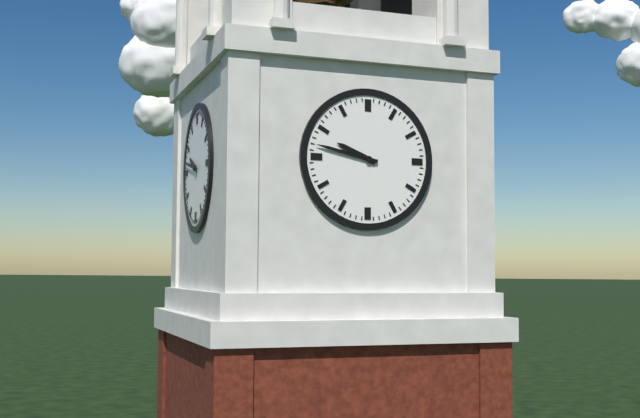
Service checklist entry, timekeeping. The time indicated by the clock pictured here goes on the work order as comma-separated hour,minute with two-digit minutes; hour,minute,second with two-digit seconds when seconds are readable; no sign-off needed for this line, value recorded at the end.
9,47
